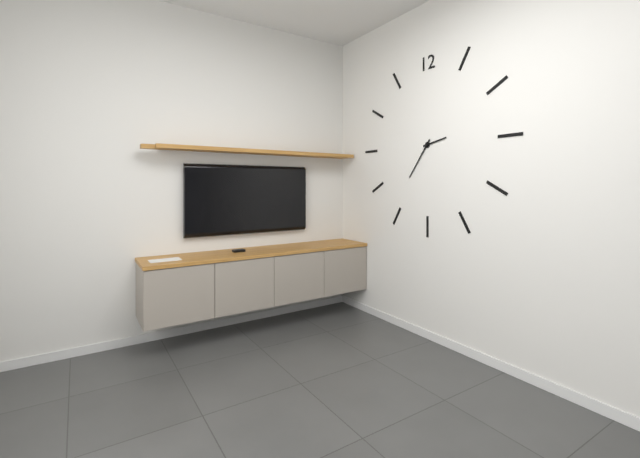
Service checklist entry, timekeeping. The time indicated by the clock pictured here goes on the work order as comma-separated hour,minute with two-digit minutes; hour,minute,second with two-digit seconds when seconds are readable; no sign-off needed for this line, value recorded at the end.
2,36
